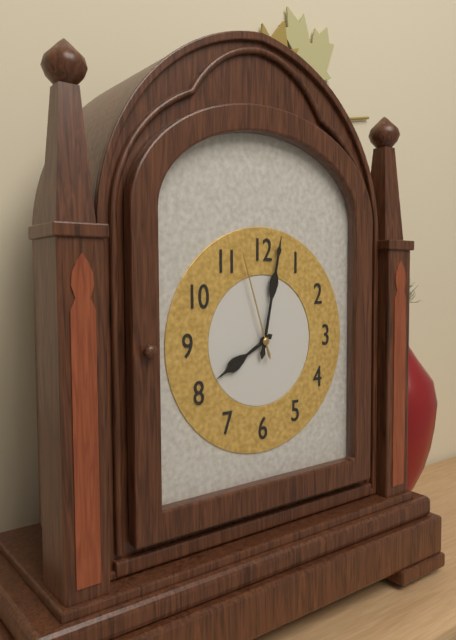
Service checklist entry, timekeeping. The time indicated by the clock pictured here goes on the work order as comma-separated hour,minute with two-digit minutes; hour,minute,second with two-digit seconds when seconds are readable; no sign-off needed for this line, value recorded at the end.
8,02,57
